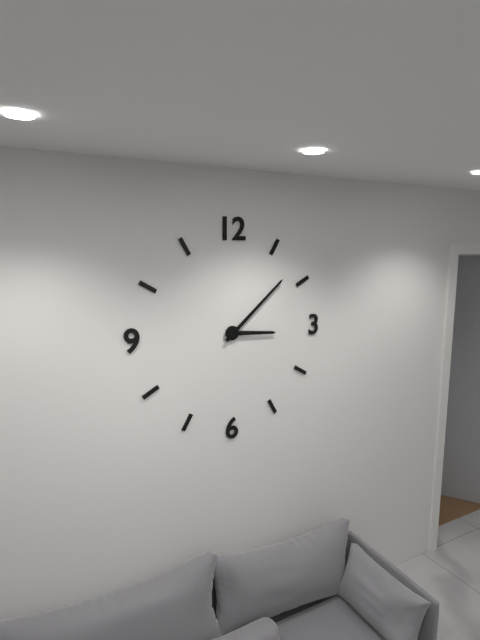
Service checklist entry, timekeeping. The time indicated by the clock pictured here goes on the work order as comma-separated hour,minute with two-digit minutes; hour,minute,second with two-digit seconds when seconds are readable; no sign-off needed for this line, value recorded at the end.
3,08
